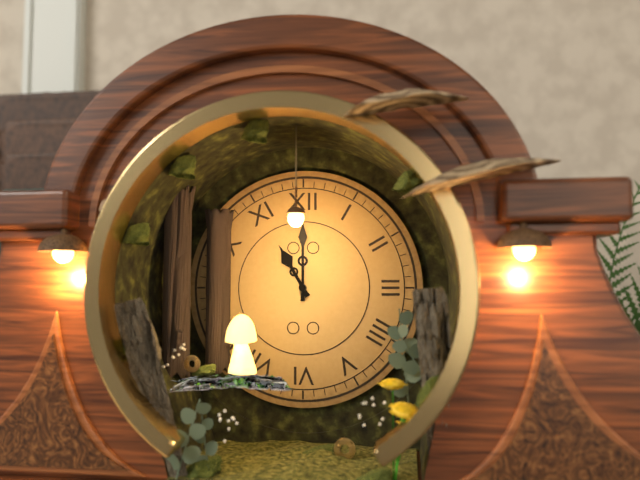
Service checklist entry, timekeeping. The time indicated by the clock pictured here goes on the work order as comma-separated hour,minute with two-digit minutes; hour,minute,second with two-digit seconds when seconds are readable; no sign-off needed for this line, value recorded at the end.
11,00
